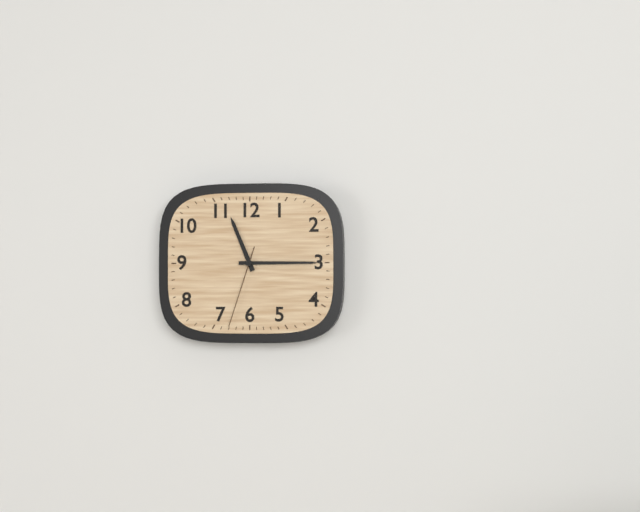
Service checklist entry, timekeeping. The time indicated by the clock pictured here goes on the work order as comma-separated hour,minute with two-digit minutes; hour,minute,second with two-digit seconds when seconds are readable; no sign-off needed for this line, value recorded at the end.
11,15,33
